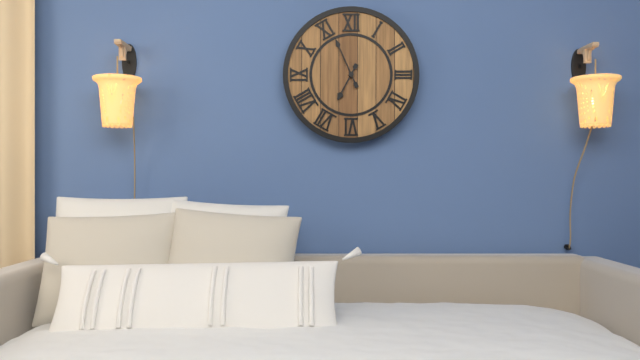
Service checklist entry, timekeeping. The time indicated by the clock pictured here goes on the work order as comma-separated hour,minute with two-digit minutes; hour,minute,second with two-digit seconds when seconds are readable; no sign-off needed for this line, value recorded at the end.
6,56
